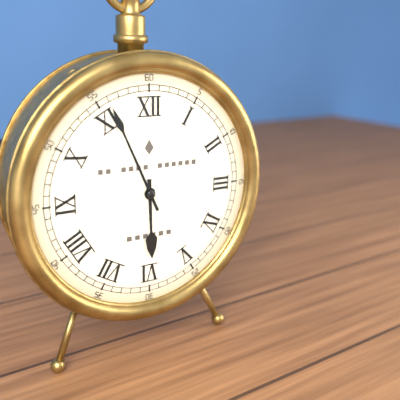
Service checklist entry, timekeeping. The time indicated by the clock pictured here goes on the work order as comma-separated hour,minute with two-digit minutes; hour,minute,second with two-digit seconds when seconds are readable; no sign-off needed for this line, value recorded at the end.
5,56
